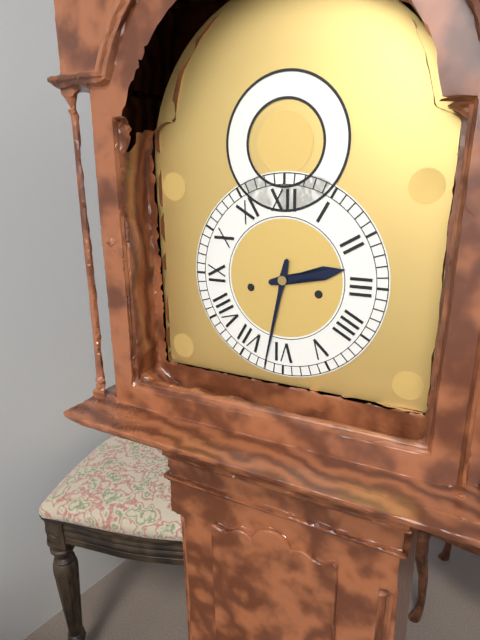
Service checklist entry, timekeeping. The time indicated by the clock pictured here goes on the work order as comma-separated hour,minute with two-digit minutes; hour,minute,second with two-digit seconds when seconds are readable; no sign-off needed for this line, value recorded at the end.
2,32
